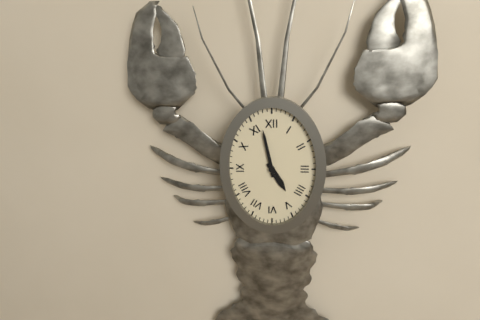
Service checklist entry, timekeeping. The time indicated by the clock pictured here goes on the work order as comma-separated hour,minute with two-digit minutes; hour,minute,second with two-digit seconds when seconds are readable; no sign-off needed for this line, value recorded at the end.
4,58
